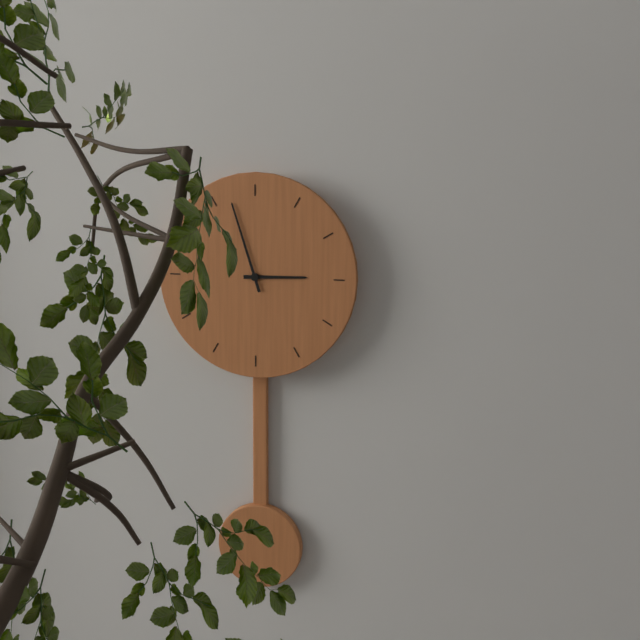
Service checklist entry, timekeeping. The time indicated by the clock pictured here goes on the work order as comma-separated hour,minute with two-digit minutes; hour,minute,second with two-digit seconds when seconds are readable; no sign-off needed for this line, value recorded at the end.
2,57
